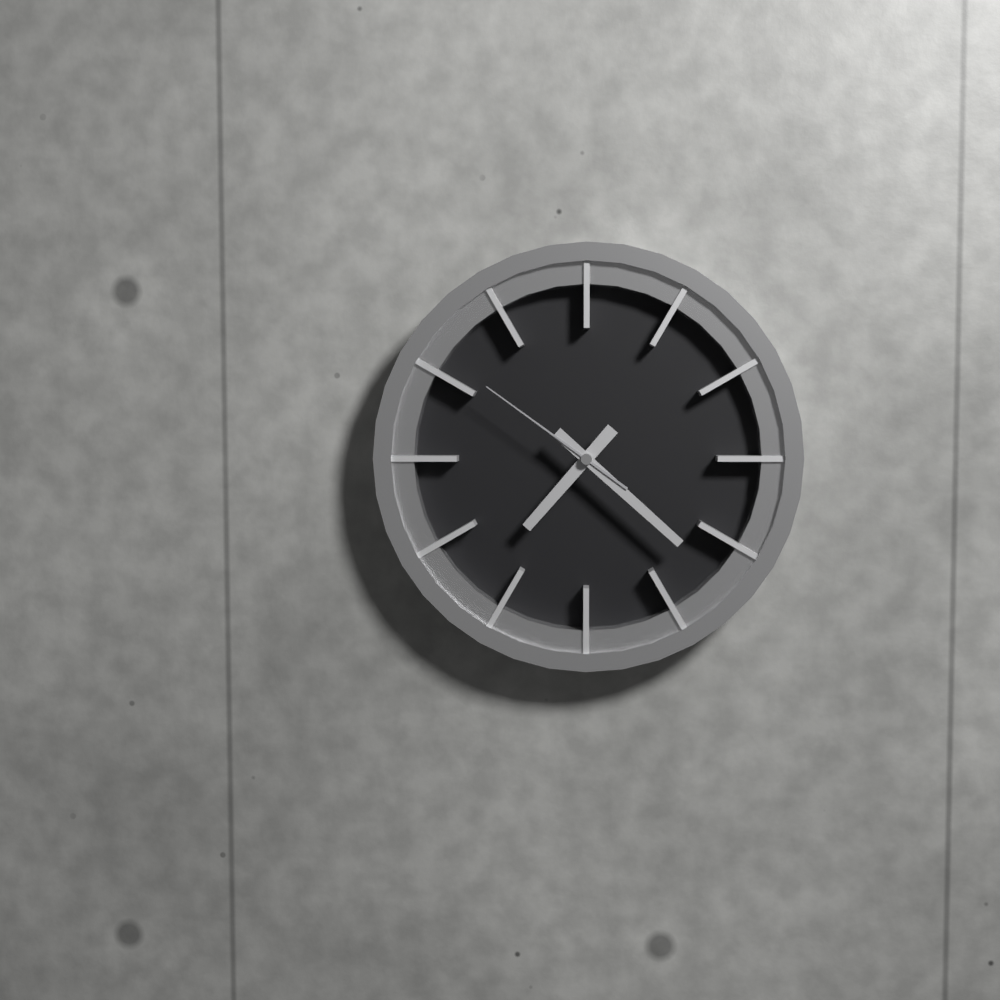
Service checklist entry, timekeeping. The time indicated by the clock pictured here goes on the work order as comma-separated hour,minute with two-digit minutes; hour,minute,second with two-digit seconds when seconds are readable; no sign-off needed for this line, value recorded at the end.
7,22,51
